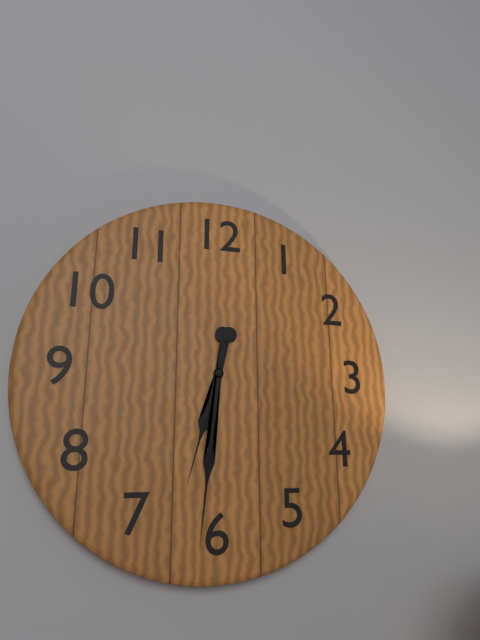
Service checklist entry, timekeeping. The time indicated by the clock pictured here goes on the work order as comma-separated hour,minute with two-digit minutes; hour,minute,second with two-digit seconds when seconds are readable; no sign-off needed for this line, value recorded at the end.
6,31
